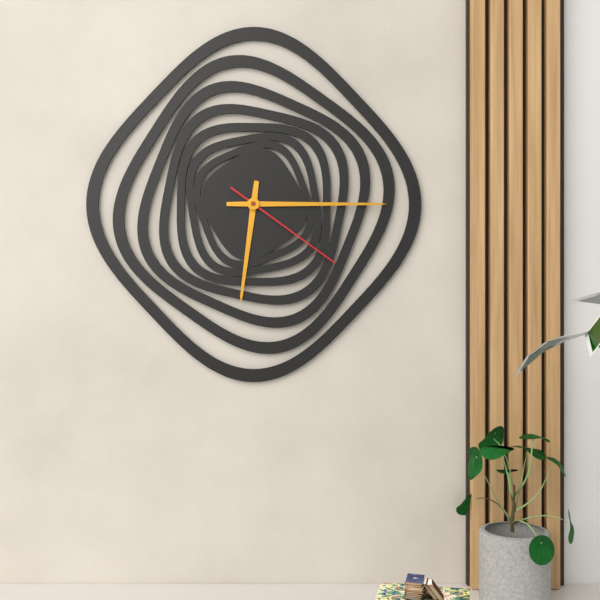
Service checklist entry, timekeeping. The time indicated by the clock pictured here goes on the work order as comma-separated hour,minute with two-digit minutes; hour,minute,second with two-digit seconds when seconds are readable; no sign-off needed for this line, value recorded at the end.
6,15,21
